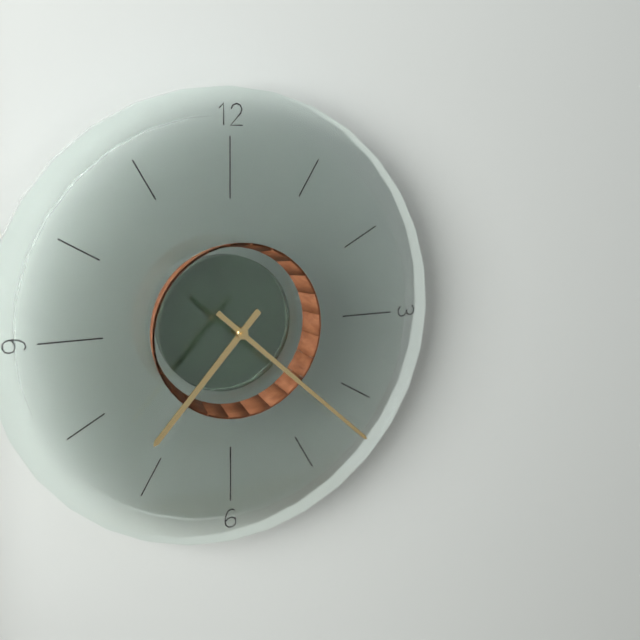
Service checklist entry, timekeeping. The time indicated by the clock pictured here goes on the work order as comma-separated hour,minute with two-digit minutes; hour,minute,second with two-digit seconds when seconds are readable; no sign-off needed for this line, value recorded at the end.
7,22
